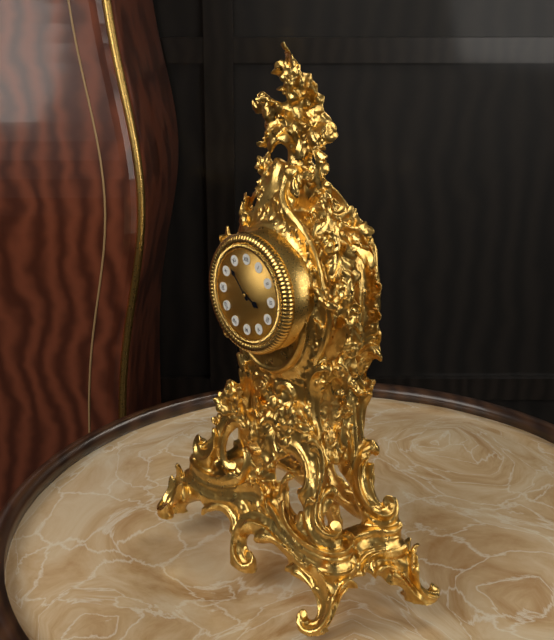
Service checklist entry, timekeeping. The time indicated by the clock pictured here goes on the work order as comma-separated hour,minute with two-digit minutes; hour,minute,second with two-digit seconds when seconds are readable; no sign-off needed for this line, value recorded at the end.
3,53
